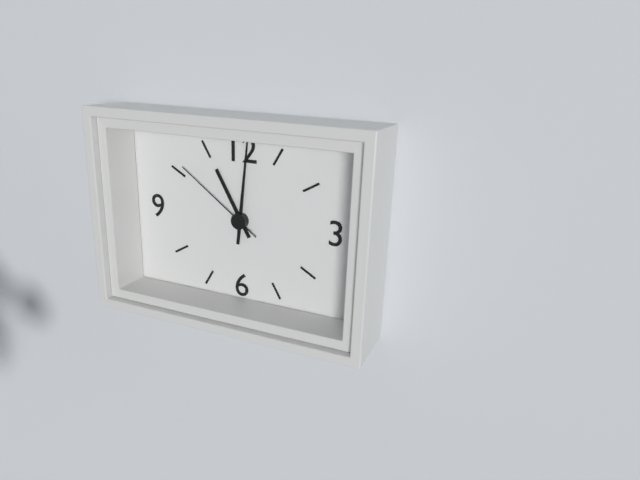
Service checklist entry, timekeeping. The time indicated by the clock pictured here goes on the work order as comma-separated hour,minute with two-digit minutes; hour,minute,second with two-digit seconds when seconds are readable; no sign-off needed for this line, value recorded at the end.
11,01,51
